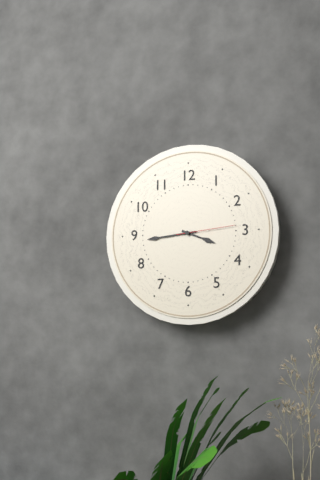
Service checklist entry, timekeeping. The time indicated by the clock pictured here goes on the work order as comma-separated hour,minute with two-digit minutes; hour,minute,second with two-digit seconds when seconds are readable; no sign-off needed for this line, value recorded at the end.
3,44,14
